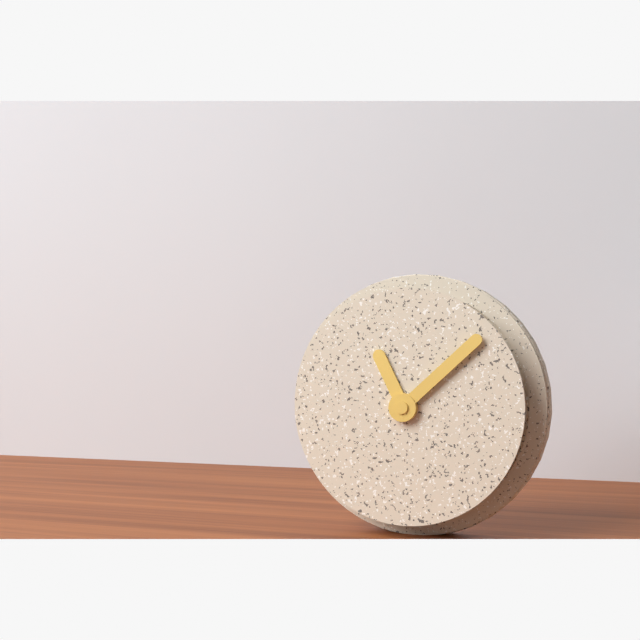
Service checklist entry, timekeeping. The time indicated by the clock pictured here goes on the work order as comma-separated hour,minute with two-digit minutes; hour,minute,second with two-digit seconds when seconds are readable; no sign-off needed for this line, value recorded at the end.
11,08
